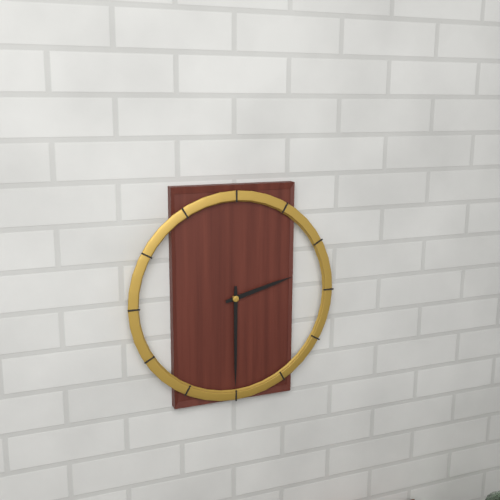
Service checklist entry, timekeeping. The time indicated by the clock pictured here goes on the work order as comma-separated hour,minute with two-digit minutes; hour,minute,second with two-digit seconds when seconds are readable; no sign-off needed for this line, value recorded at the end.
2,30
